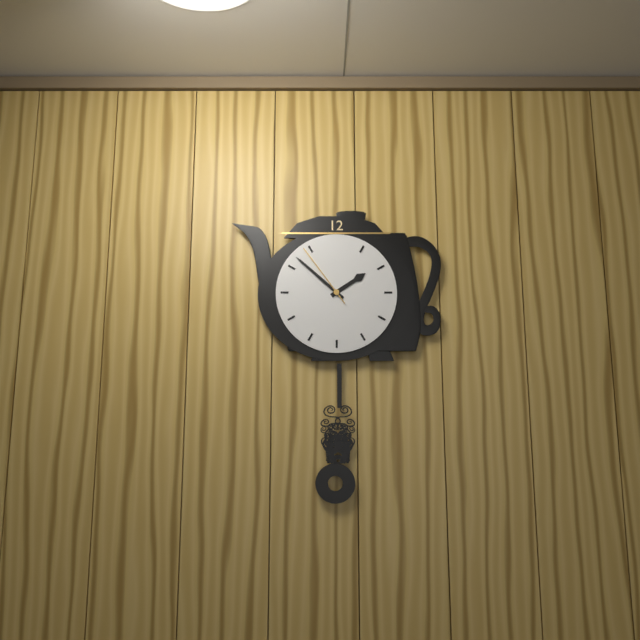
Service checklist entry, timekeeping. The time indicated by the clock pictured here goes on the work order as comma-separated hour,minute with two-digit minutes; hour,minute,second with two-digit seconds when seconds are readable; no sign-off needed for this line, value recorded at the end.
1,52,54
